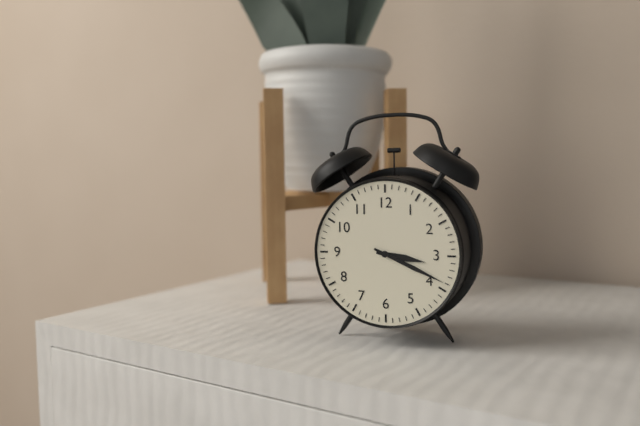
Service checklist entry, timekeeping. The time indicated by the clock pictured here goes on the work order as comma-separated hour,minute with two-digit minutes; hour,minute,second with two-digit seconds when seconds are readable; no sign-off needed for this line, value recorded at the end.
3,19
